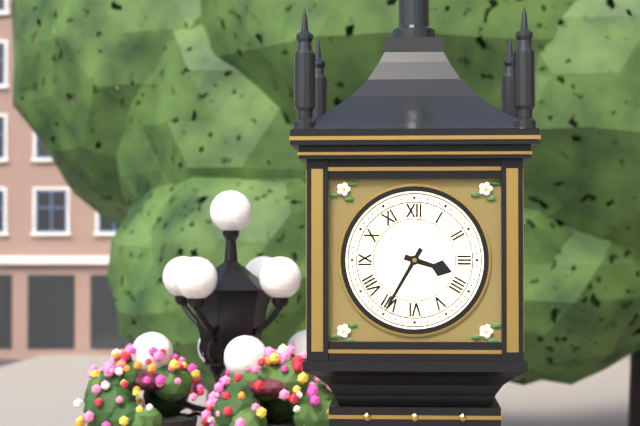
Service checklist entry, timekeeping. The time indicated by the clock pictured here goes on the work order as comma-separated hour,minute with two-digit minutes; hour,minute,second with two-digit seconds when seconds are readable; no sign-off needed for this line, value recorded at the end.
3,35
